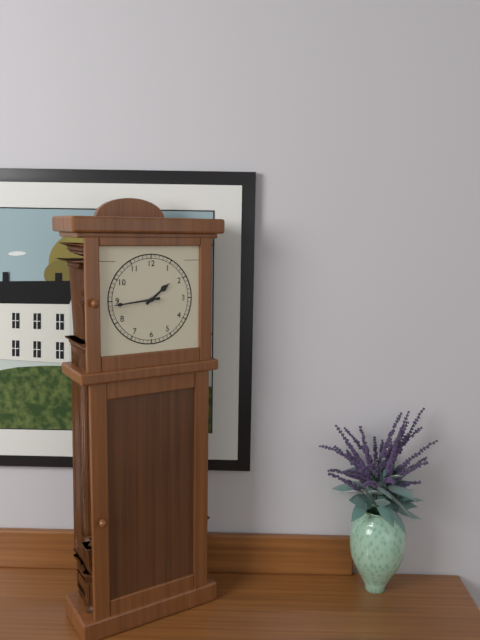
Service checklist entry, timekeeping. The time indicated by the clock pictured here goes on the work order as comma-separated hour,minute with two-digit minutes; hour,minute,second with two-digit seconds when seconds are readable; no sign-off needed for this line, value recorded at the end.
1,44
